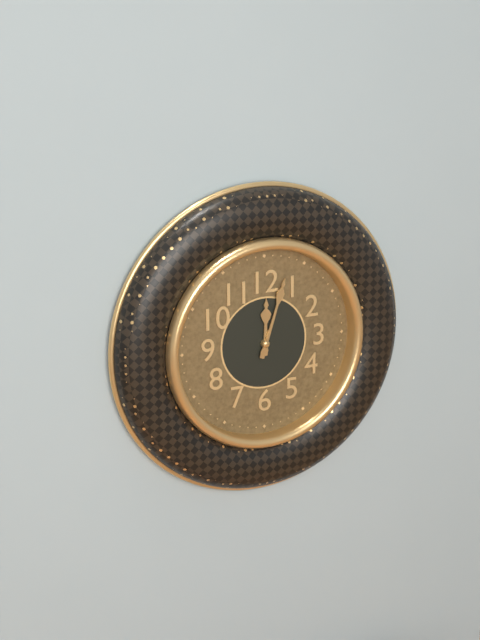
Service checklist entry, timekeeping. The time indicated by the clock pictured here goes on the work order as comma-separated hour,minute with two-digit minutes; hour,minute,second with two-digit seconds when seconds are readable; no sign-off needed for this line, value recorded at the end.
12,03
